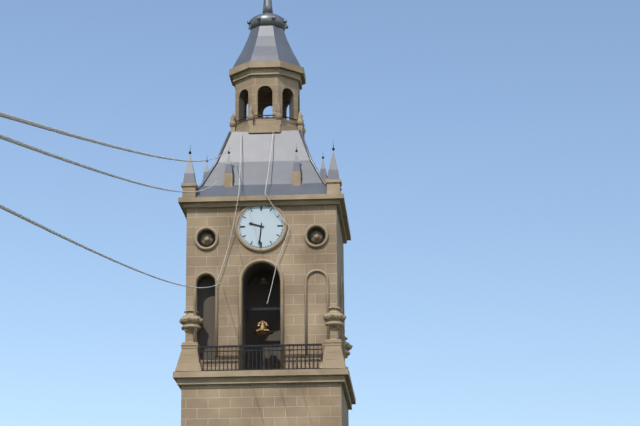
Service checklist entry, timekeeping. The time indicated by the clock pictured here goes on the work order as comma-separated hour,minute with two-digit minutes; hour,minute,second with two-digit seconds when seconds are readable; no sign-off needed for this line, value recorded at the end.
9,31
